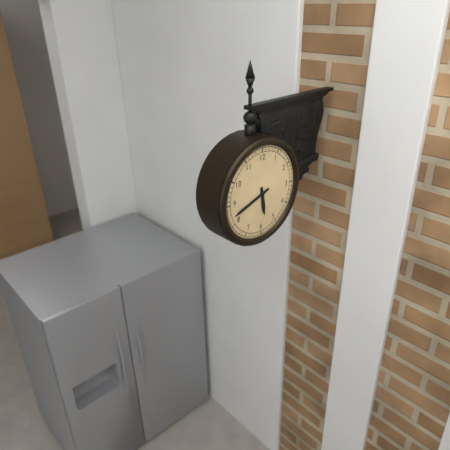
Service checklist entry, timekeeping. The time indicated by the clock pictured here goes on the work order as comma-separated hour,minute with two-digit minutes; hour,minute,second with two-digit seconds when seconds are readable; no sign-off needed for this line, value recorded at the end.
5,42
